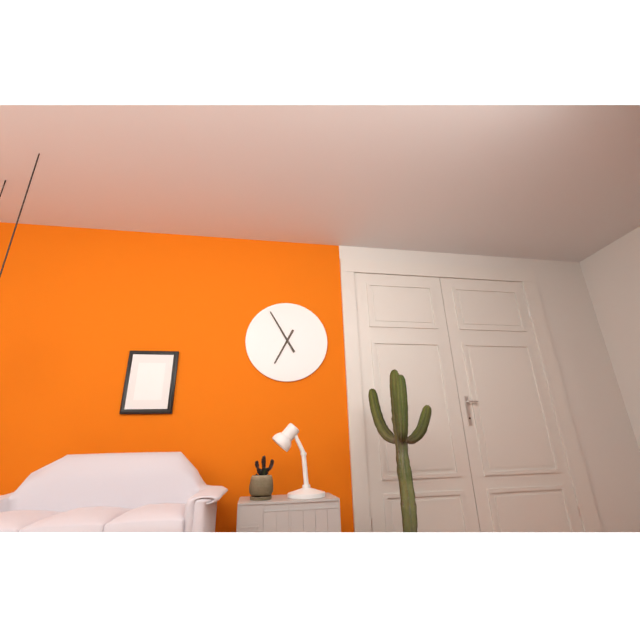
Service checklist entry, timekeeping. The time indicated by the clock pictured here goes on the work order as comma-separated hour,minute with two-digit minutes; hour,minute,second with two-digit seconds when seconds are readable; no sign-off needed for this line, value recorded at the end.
6,55
